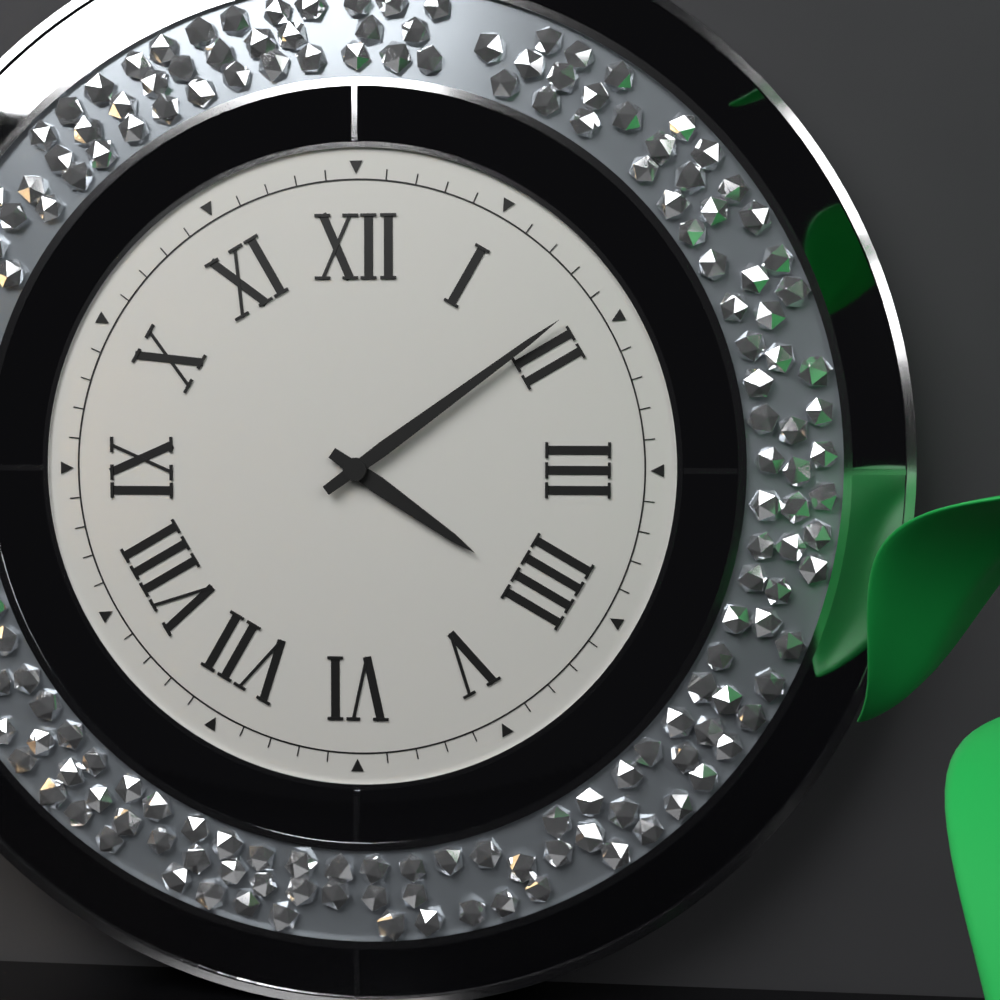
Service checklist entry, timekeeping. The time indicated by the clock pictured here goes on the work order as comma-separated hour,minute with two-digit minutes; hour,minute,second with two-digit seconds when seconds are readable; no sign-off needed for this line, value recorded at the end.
4,09
